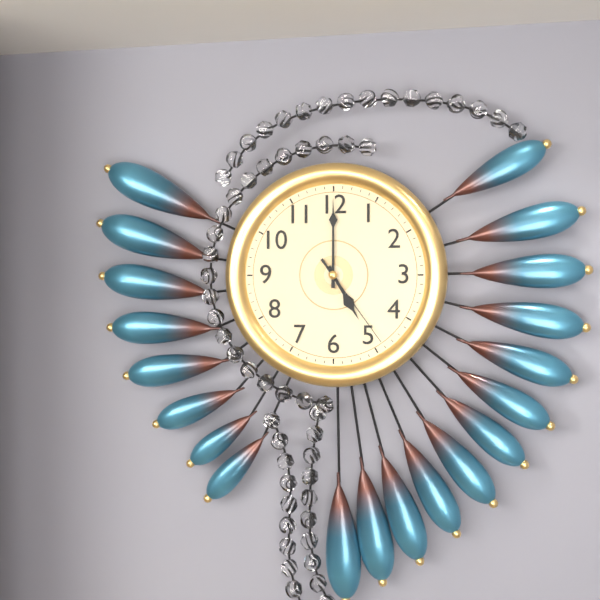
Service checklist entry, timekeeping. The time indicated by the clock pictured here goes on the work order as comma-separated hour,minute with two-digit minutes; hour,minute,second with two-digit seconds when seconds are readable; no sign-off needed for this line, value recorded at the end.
5,00,24
